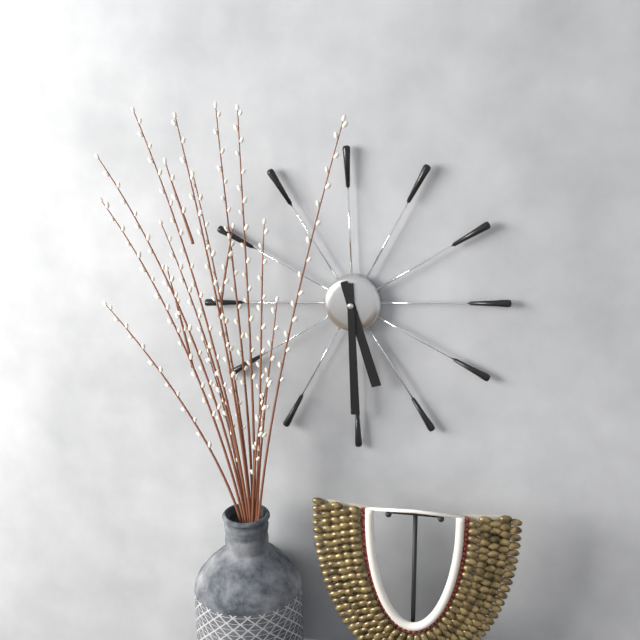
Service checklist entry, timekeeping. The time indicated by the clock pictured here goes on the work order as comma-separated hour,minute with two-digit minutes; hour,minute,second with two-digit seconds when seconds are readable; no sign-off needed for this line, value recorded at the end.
5,30
